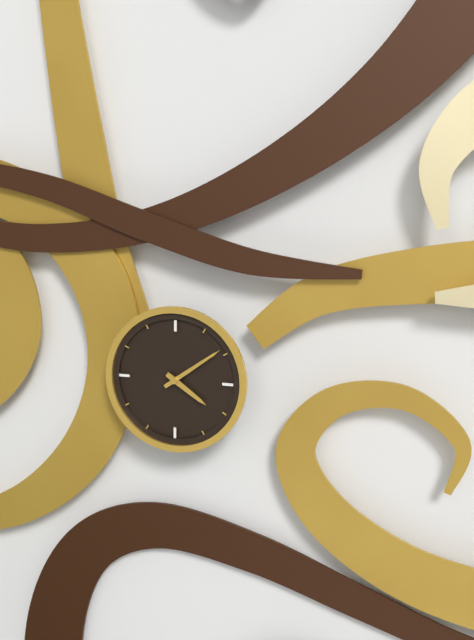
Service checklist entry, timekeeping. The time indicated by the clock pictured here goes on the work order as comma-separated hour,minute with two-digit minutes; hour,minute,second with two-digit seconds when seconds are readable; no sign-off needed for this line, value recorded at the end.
4,09
